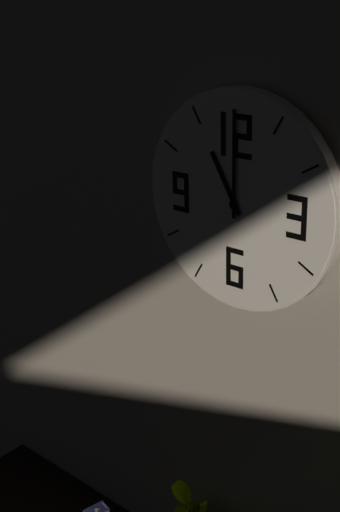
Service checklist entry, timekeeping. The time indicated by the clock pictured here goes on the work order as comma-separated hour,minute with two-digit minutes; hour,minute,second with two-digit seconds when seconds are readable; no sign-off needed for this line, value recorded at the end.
11,00
